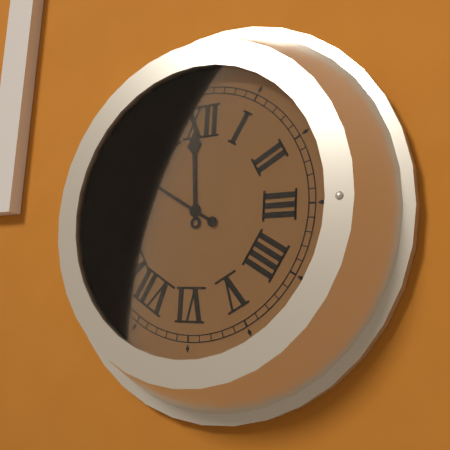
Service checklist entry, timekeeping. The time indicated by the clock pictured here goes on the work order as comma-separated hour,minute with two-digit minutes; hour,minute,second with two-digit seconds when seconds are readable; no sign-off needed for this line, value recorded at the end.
11,50
